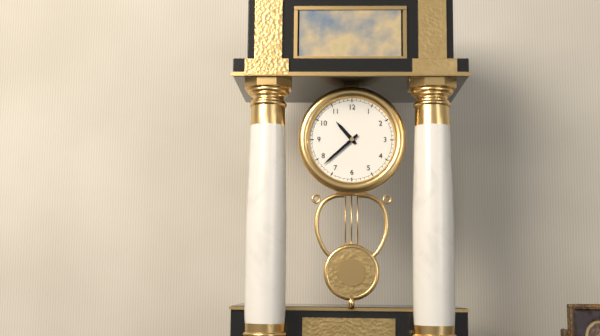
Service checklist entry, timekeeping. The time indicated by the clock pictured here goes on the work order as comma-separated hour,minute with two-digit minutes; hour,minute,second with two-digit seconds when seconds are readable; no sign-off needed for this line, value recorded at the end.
10,38
